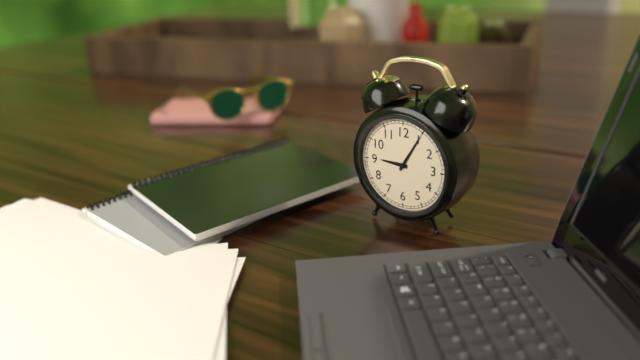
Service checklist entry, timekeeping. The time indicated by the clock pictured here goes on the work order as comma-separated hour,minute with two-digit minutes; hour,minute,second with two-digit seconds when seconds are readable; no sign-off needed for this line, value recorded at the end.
9,05
